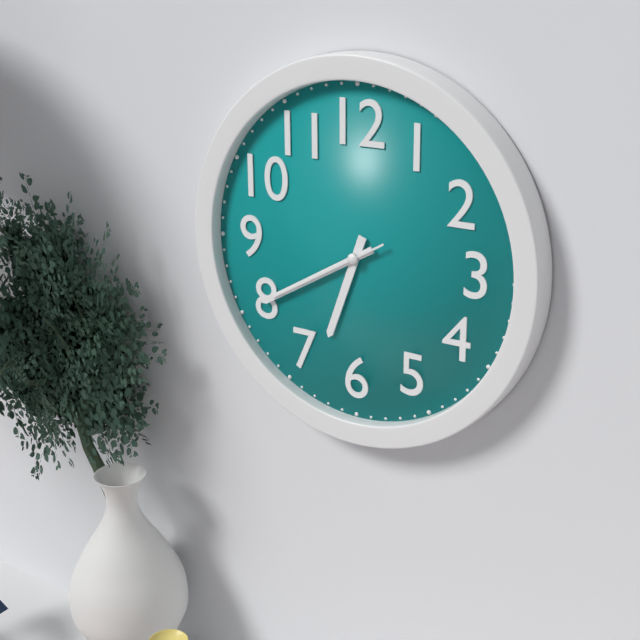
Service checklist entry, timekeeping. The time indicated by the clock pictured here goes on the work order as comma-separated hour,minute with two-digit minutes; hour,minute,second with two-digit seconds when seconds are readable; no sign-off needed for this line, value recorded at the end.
6,40,40
